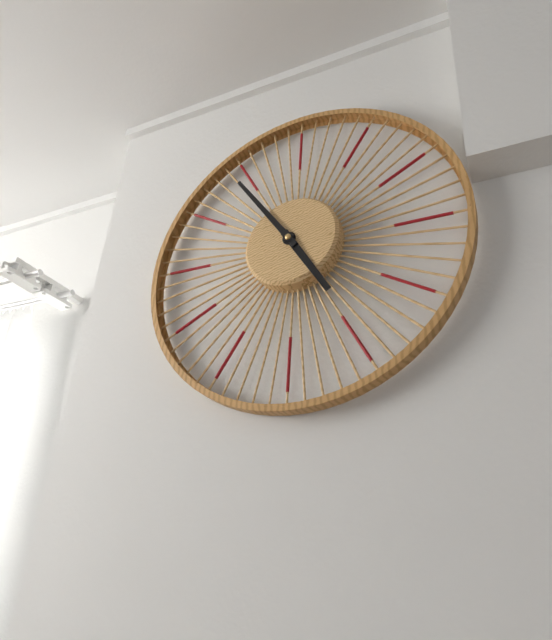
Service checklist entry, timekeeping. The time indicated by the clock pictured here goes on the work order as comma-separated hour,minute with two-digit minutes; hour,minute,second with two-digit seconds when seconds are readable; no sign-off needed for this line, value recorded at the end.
4,54
